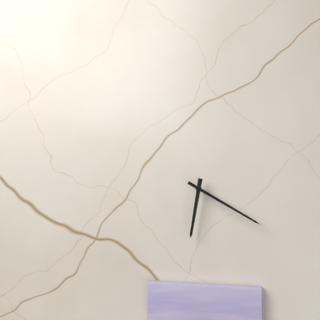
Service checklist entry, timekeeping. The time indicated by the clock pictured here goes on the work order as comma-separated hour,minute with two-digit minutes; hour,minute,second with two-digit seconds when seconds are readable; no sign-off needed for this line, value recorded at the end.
6,20
